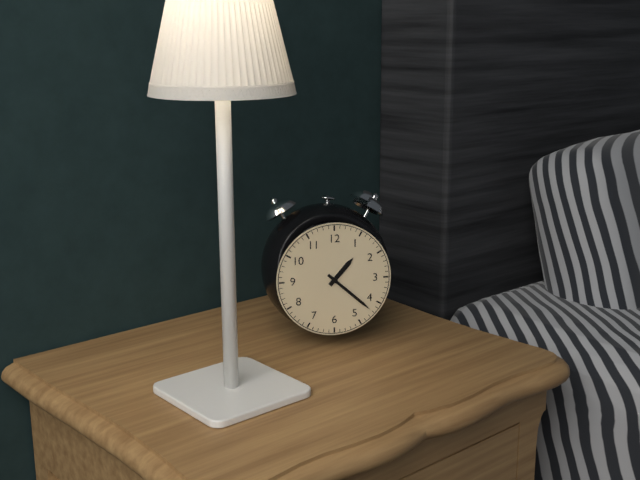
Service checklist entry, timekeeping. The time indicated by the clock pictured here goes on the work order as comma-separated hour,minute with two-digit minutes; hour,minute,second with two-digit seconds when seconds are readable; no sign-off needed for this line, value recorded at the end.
1,22
